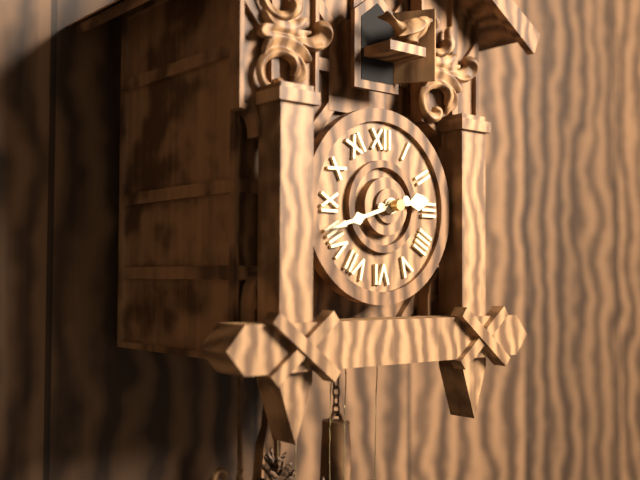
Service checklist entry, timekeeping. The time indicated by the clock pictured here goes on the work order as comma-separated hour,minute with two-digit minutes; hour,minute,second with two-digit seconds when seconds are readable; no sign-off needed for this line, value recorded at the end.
2,42
